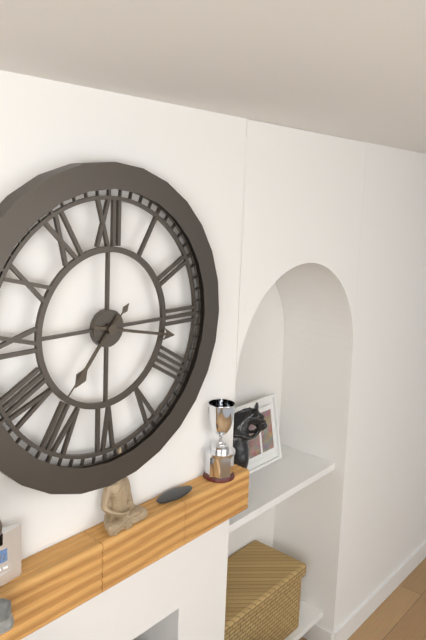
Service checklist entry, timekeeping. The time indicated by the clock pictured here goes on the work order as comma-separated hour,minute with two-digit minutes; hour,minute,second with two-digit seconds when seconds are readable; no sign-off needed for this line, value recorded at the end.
7,17,37
